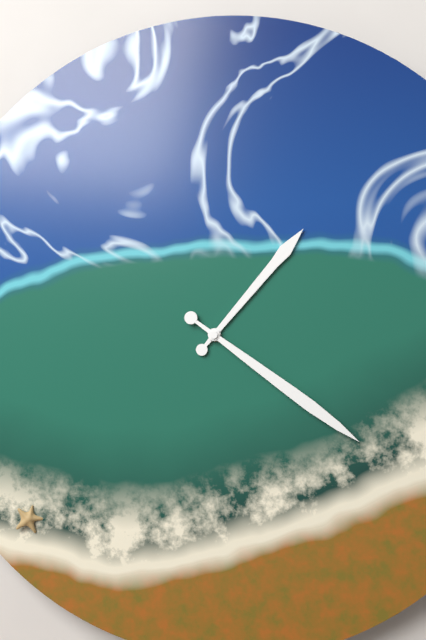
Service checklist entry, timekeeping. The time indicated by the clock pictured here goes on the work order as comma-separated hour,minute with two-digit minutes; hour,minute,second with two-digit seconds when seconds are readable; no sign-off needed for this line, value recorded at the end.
1,21
